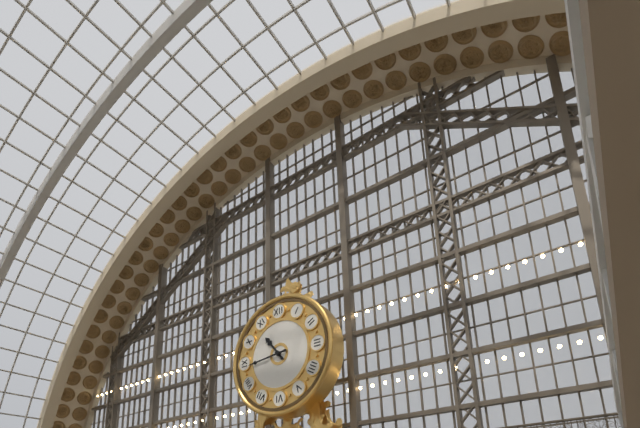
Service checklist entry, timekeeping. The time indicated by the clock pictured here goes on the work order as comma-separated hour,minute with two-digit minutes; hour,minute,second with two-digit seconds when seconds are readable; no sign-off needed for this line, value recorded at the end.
10,44
